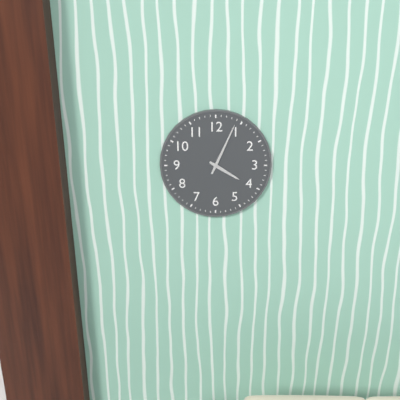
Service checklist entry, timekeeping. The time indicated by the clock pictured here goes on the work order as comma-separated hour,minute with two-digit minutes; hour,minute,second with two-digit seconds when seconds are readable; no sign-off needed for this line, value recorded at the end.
4,04
